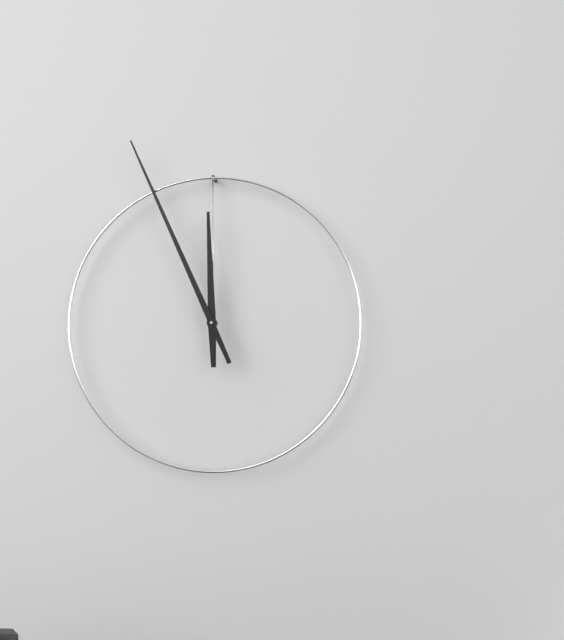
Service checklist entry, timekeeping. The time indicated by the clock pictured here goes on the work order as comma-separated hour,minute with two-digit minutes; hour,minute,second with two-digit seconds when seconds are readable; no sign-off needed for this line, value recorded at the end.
11,56
